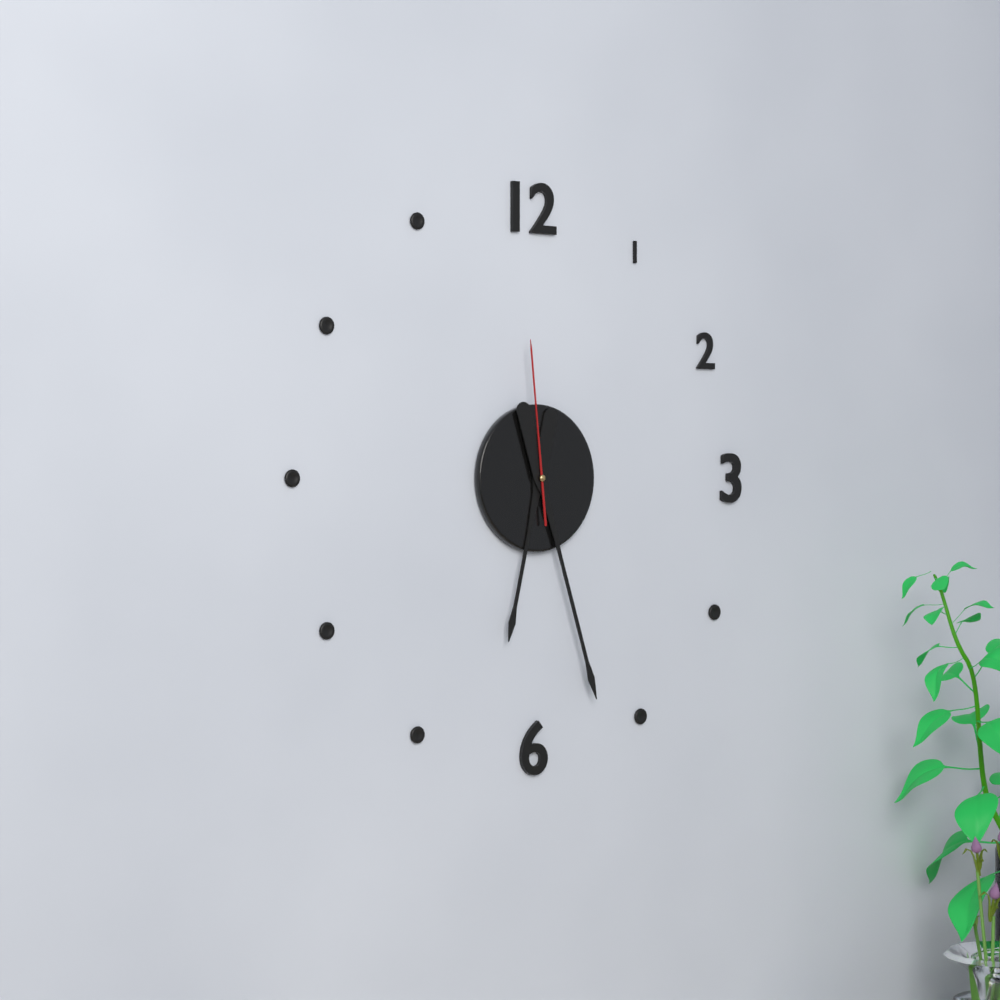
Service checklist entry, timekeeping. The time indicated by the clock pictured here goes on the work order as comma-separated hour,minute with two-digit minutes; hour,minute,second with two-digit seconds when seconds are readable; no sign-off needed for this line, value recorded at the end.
6,27,59
